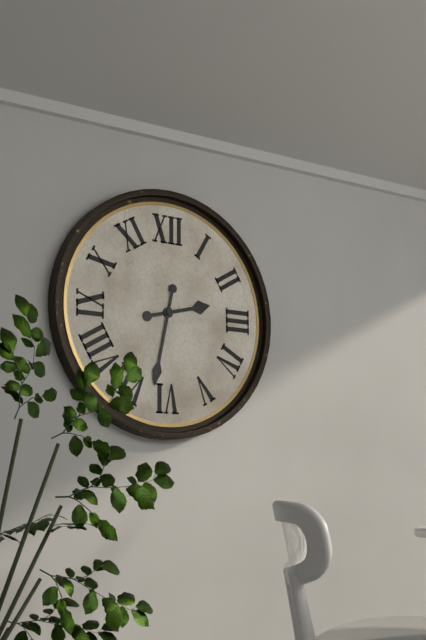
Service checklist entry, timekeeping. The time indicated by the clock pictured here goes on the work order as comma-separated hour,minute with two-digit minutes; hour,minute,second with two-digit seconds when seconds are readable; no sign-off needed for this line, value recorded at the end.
2,32
